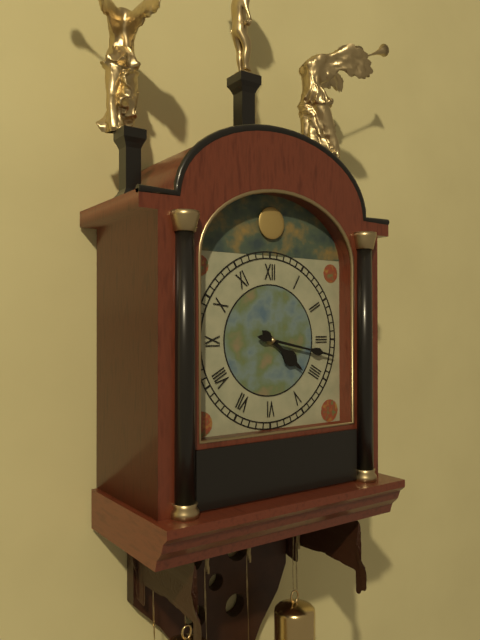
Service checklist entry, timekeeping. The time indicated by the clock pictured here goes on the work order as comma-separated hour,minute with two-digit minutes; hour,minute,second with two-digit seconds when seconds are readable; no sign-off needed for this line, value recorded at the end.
4,17
